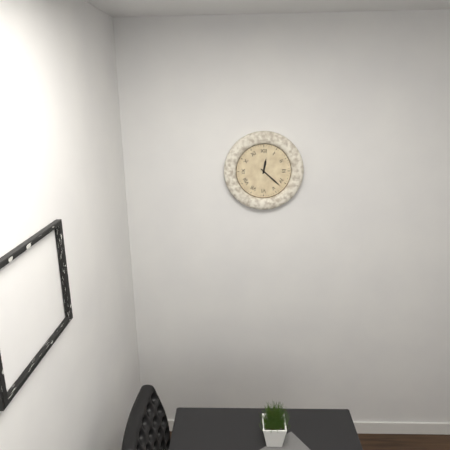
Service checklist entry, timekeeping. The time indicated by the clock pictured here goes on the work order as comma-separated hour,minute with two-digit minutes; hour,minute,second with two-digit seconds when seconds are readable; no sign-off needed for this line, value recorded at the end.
12,22
